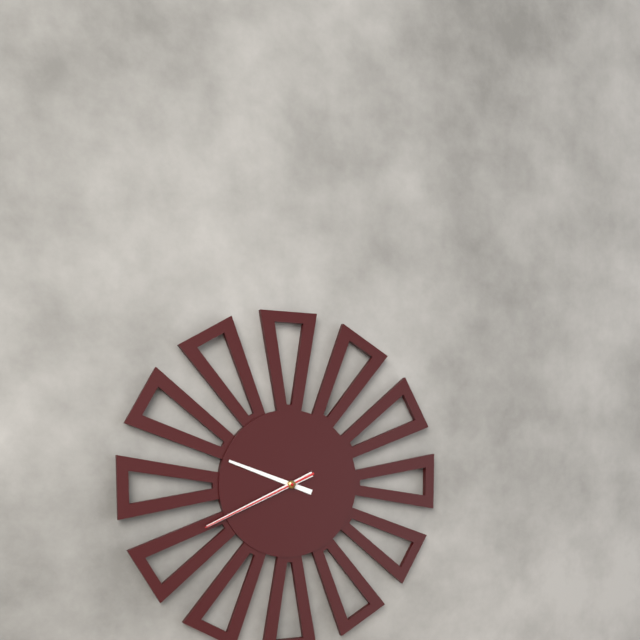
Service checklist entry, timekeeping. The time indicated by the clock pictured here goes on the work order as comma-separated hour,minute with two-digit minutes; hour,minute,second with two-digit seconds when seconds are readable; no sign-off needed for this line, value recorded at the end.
9,41,41
